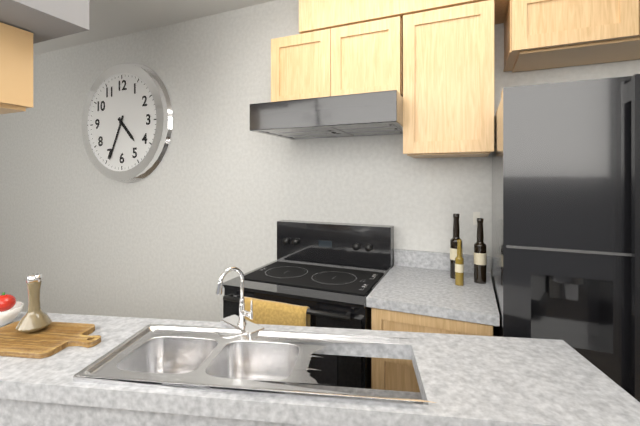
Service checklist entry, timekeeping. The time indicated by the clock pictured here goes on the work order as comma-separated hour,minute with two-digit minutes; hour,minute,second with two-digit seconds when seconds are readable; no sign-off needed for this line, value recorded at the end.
4,34
